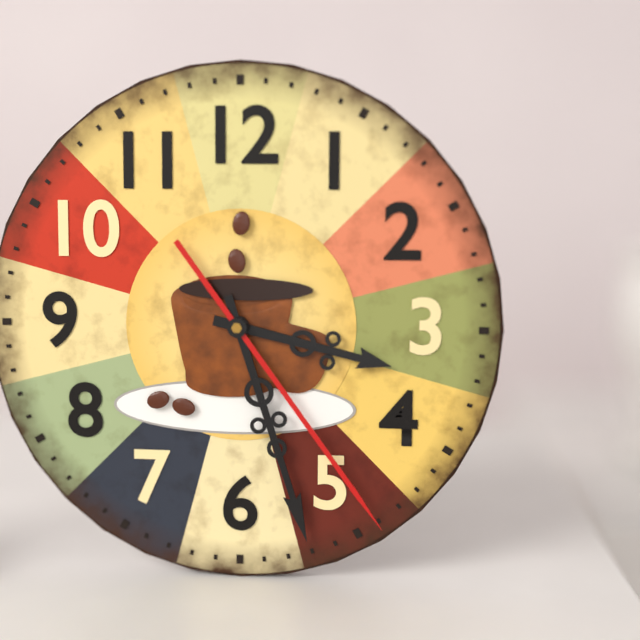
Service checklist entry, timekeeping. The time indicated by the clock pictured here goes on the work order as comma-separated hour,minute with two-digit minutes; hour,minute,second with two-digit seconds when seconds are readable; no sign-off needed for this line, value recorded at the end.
3,27,24
